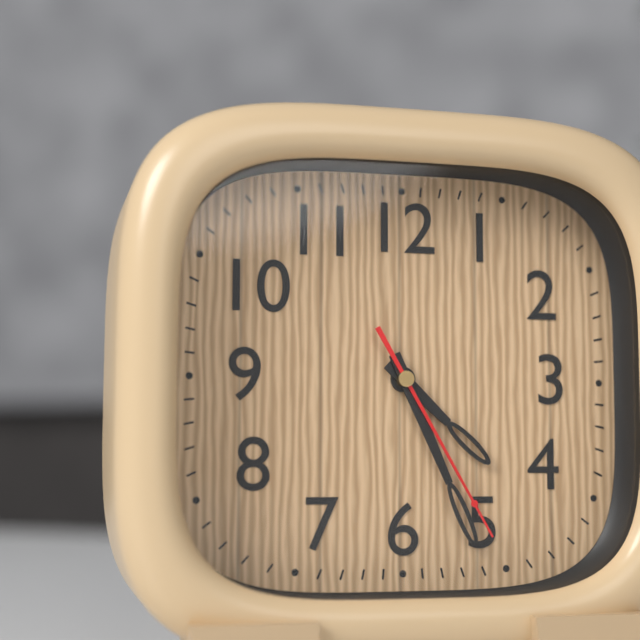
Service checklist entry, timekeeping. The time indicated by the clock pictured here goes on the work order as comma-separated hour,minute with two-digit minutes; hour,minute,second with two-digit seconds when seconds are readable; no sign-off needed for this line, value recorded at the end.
4,26,25
